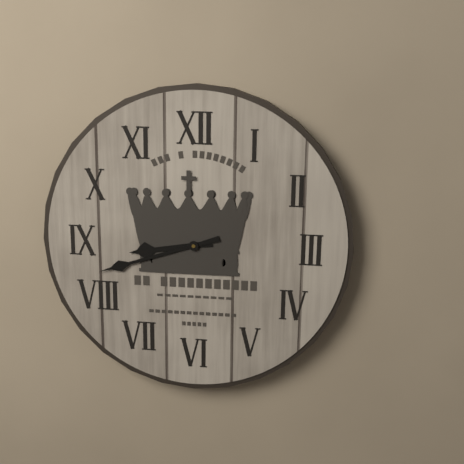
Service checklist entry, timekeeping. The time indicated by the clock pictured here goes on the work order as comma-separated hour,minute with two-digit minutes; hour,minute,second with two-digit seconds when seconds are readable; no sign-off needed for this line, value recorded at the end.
8,42
